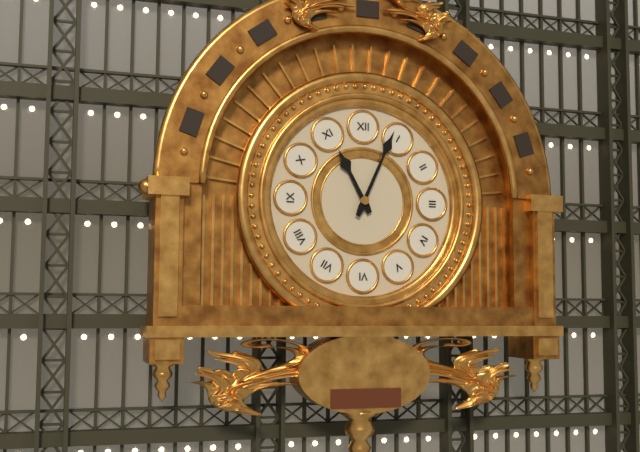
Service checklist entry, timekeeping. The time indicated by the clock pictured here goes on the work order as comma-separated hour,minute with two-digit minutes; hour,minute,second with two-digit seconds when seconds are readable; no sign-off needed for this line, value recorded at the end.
11,04
